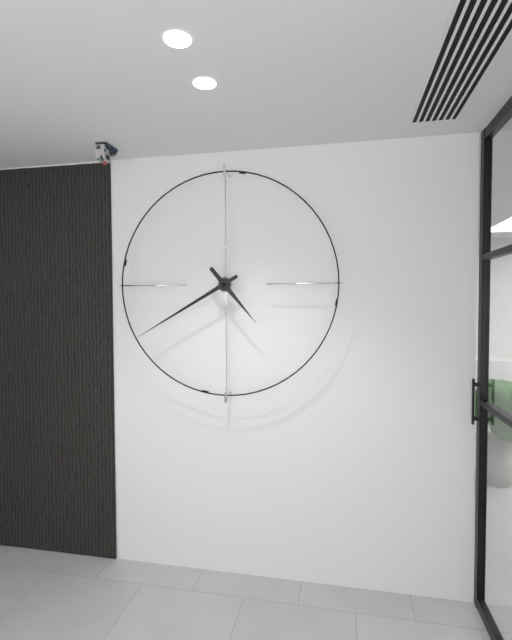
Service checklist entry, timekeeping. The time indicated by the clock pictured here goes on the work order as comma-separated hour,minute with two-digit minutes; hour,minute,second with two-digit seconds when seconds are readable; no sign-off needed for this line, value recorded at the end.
4,40
